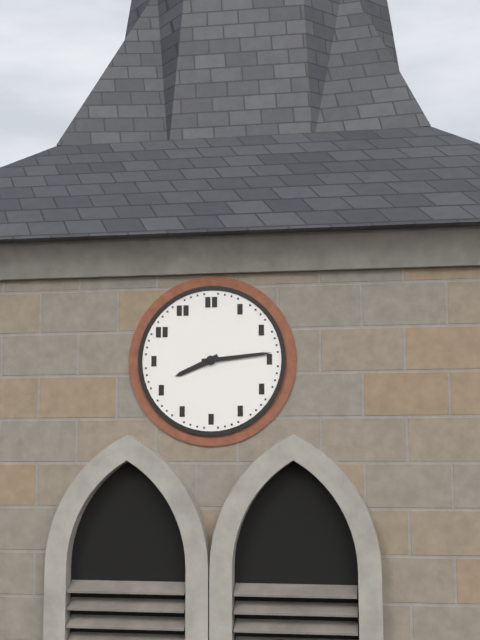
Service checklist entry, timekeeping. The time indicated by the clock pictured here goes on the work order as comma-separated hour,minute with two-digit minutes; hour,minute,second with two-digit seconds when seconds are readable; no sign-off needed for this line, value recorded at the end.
8,14
